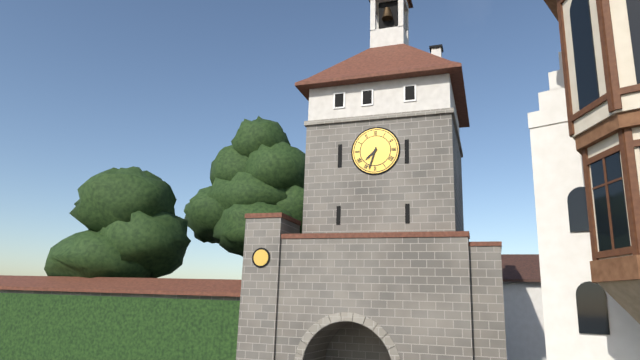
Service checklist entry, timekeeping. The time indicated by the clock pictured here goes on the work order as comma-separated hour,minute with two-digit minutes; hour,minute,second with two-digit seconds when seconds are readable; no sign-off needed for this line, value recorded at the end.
7,33
